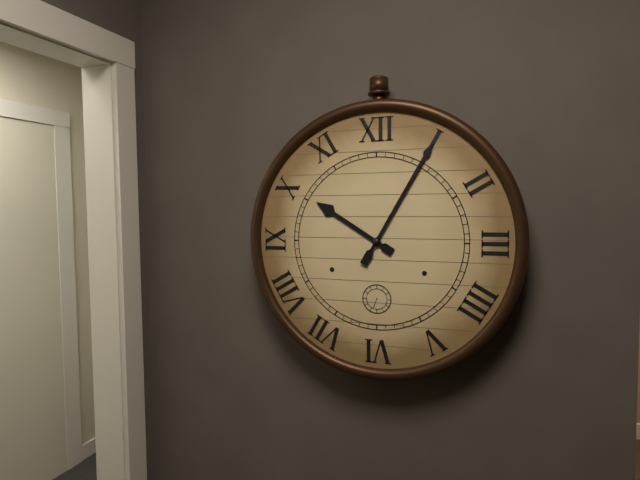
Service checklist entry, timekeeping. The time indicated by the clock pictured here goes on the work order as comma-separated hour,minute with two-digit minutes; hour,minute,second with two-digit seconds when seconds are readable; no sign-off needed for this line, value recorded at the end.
10,05
